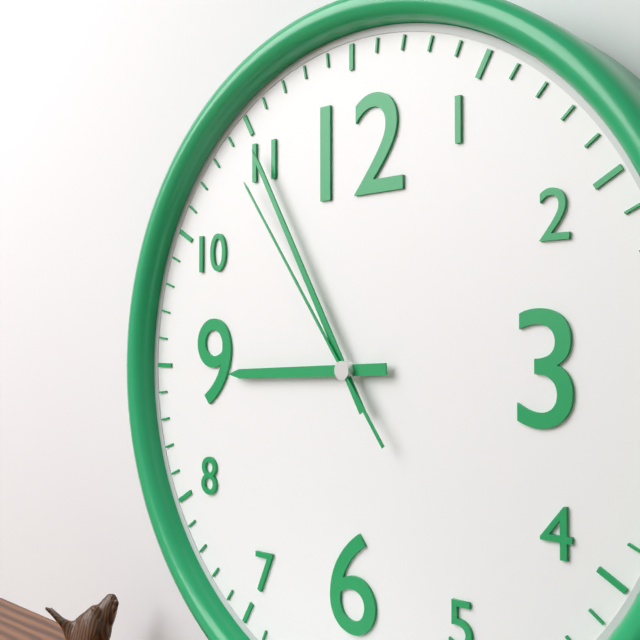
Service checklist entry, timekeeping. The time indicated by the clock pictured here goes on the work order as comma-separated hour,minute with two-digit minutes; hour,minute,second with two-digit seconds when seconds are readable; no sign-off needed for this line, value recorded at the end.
8,55,54
